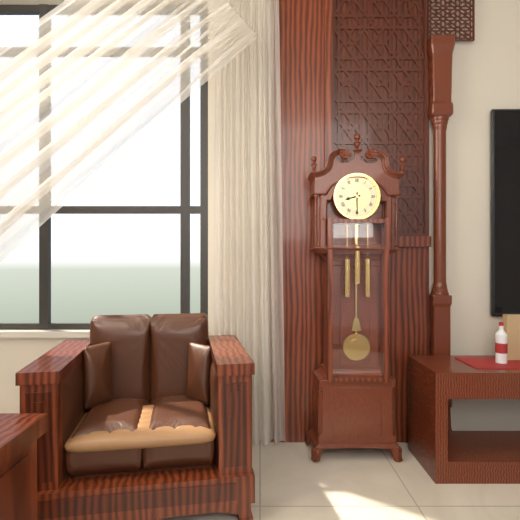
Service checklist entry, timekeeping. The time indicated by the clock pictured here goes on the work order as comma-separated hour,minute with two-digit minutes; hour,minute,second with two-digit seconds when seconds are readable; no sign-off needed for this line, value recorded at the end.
8,30
